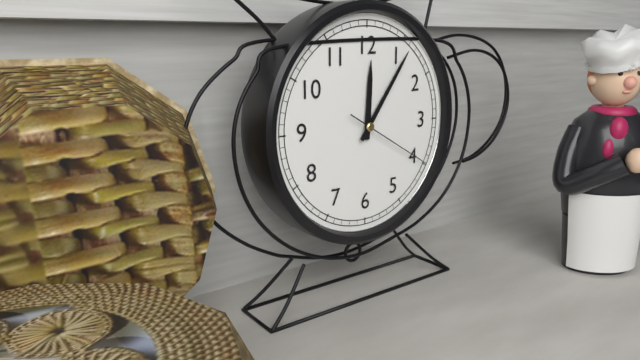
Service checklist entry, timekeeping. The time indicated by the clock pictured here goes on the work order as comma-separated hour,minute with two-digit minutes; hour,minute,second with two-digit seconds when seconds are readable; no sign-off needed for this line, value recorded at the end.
12,06,20
